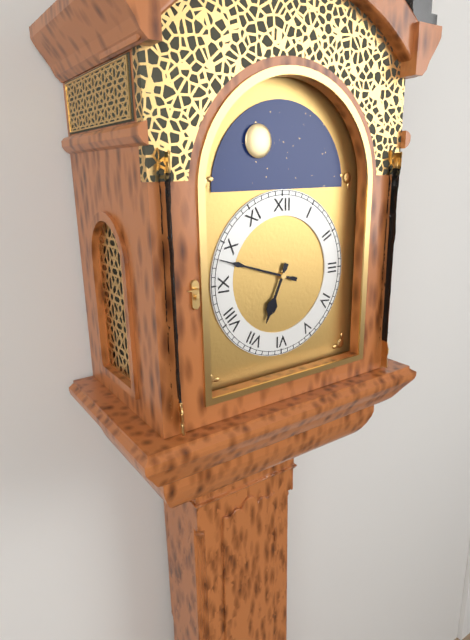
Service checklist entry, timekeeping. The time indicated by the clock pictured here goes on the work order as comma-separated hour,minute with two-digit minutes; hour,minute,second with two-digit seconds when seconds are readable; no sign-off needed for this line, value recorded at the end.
6,48
